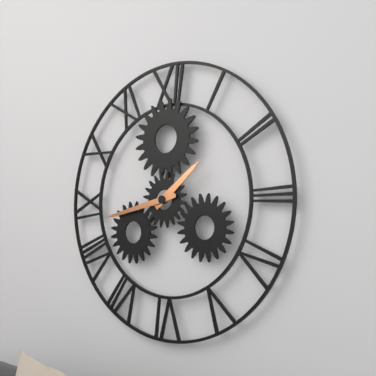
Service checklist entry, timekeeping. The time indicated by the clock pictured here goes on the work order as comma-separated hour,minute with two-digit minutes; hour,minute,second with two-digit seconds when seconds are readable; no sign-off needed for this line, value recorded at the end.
1,43
